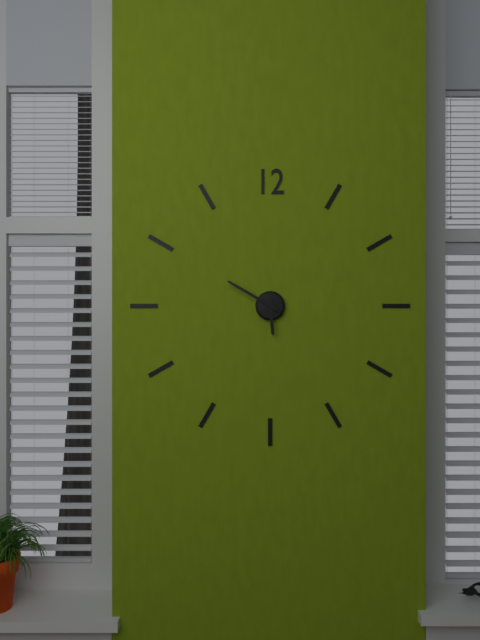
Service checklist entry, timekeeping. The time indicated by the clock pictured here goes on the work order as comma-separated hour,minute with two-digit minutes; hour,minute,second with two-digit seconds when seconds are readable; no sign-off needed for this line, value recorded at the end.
5,50
